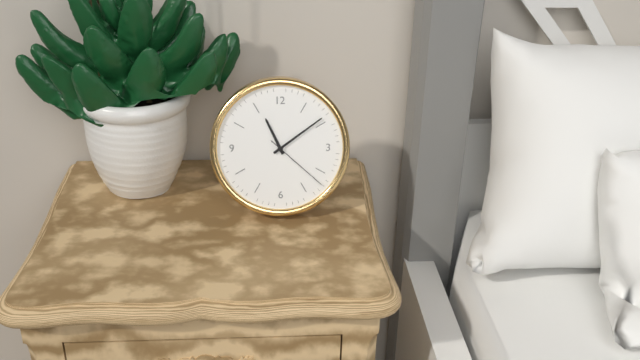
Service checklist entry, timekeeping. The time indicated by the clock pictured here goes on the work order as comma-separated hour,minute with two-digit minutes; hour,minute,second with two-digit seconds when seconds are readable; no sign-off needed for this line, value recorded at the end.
11,09,22
